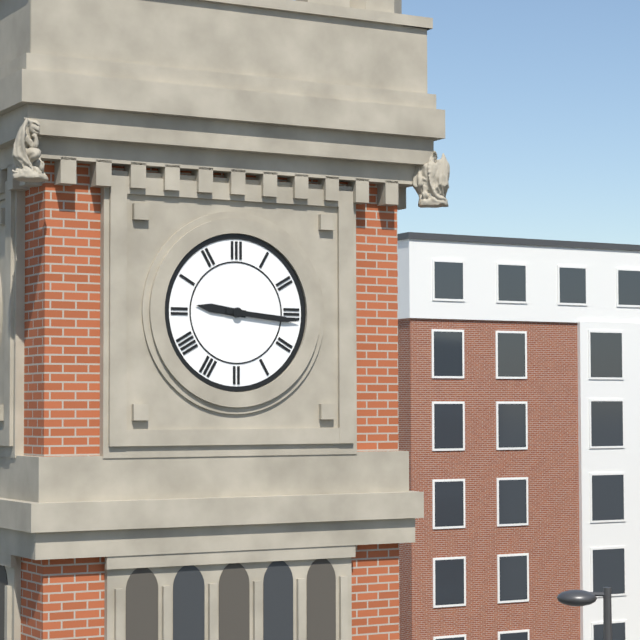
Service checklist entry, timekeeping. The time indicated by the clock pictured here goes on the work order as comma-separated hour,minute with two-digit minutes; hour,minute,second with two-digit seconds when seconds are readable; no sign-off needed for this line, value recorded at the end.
9,16
